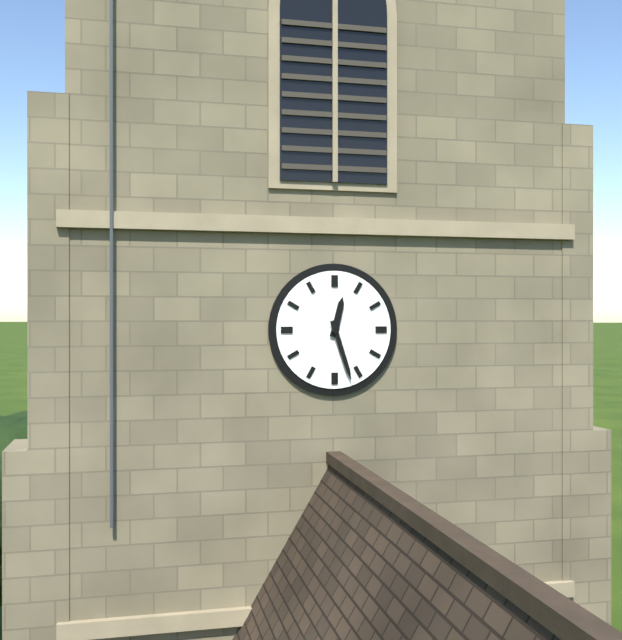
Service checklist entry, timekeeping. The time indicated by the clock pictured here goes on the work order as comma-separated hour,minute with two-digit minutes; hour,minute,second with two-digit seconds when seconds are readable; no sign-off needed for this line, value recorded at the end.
12,27
